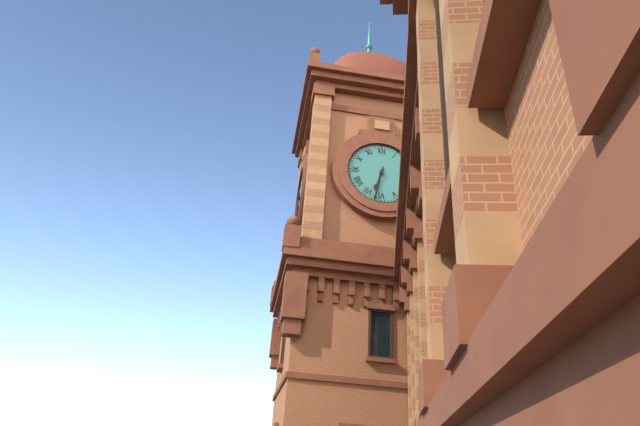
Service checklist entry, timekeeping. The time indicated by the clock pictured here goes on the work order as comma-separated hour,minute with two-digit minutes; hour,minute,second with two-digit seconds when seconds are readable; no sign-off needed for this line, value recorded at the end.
6,32
